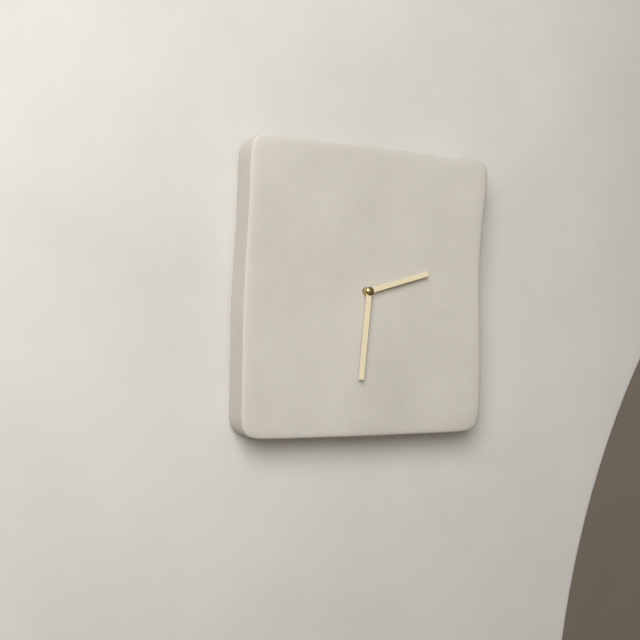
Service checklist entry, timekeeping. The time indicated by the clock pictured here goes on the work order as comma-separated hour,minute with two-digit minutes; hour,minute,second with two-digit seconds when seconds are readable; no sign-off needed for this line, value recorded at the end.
2,31
